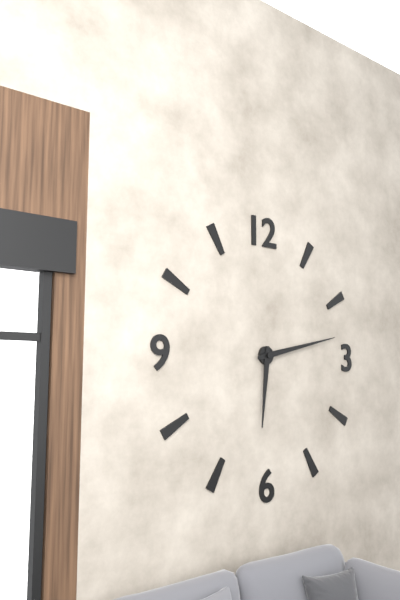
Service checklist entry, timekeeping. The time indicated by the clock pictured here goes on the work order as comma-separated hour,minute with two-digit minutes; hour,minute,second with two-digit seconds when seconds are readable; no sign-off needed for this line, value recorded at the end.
6,13
